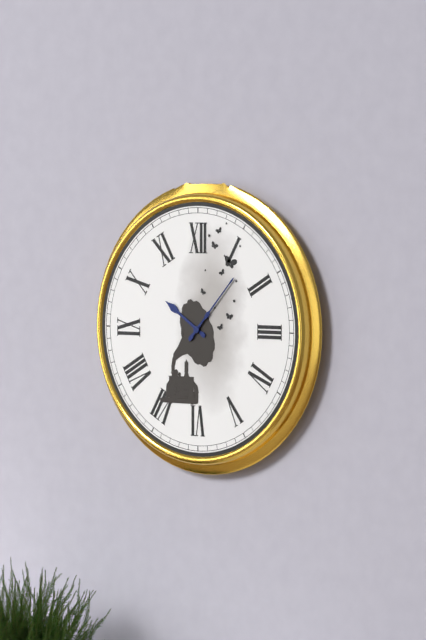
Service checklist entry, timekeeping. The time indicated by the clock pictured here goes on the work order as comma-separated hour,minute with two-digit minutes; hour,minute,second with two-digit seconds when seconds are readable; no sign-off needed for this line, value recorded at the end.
10,07
